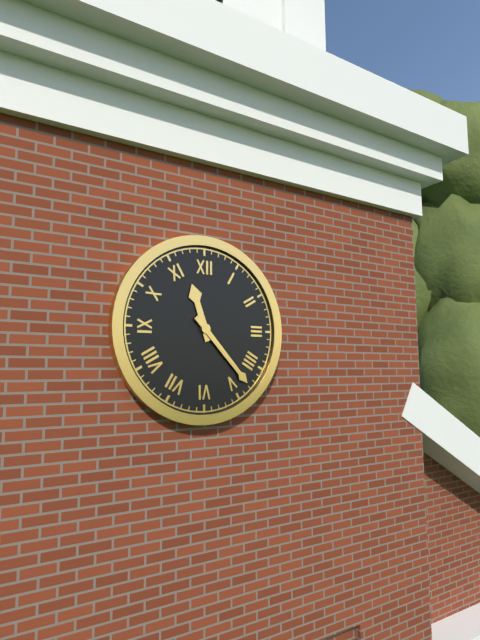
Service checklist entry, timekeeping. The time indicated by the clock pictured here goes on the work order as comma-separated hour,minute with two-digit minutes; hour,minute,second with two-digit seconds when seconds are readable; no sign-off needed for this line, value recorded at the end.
11,23
